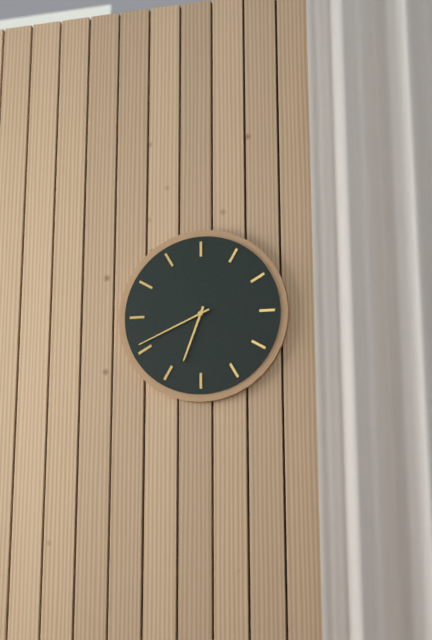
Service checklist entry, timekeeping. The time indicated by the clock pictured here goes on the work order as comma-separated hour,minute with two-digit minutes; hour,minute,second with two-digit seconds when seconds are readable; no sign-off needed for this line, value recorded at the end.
6,41
